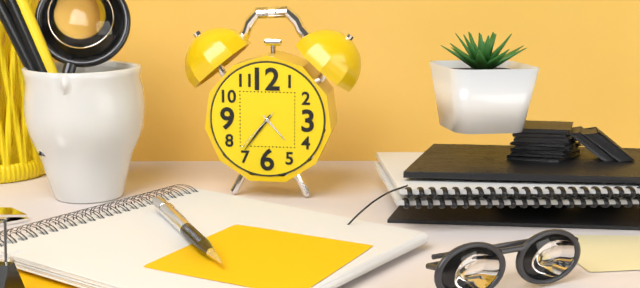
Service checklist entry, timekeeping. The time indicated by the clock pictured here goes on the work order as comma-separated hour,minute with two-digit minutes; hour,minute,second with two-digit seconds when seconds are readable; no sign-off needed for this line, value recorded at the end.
4,36,37
